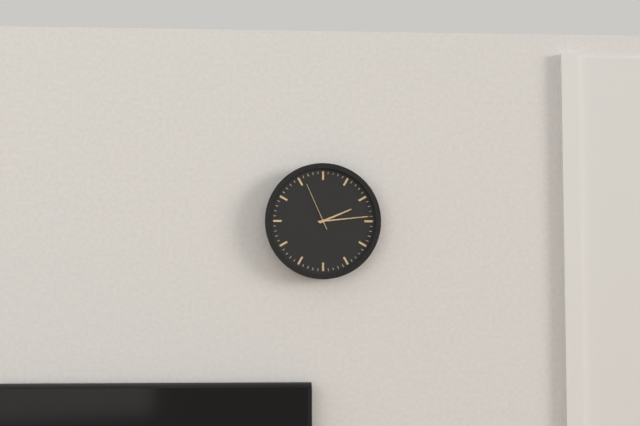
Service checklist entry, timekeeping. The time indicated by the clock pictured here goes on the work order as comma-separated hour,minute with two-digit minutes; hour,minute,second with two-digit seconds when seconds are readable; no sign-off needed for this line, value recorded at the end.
2,14,56
